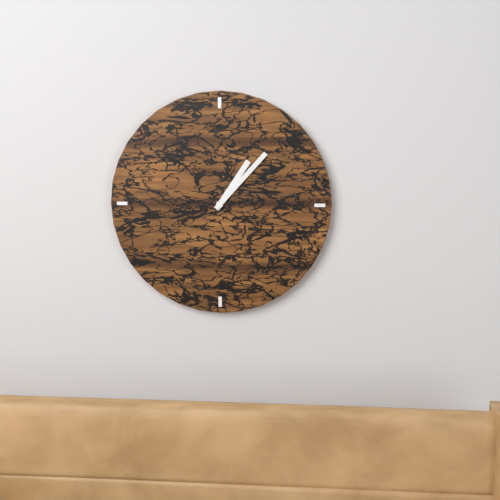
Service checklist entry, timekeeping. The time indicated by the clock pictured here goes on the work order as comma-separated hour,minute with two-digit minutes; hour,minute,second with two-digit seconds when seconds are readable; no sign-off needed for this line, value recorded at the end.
1,07
